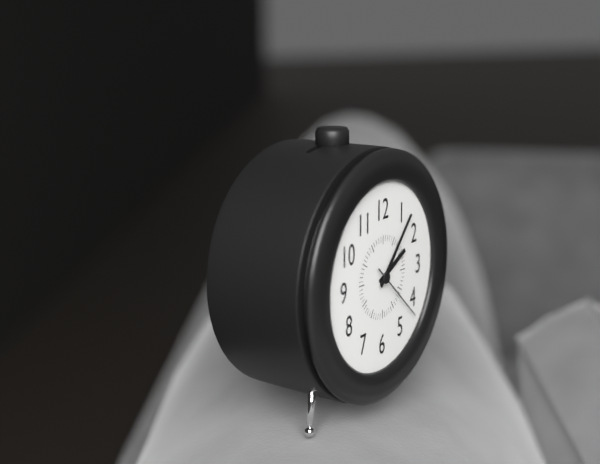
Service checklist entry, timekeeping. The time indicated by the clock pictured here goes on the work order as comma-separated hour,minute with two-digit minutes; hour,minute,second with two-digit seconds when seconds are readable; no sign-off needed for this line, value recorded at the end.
2,07,22
